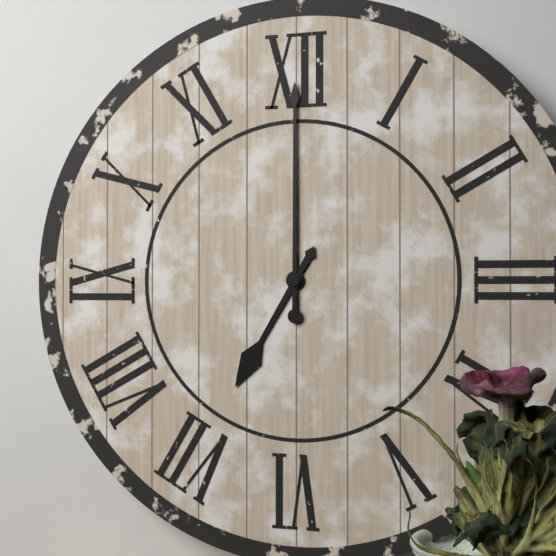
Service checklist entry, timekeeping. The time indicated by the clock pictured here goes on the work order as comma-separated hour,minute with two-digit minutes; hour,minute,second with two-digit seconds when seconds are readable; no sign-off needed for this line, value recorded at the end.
7,00
